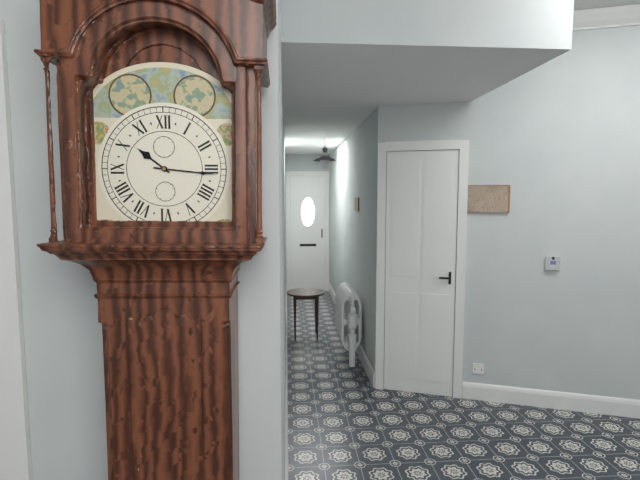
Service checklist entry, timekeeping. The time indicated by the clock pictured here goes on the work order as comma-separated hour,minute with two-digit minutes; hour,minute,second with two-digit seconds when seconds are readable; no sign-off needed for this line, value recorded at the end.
10,16
